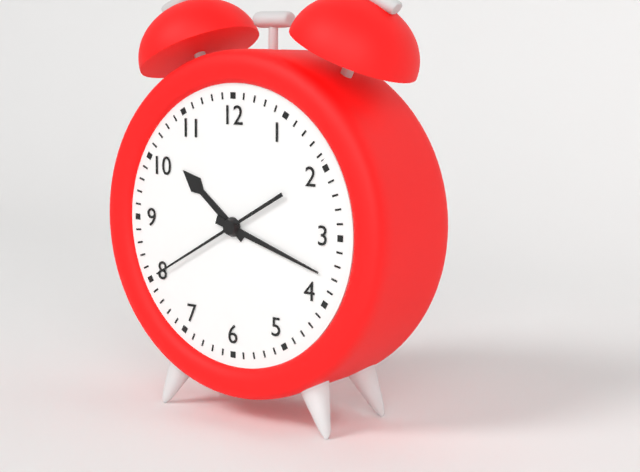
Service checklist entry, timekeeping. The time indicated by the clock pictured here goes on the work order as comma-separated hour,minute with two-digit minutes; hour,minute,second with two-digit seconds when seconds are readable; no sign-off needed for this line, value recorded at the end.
10,18,40
